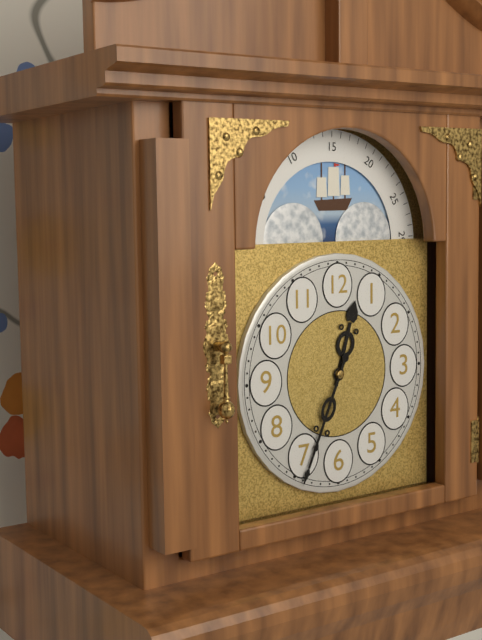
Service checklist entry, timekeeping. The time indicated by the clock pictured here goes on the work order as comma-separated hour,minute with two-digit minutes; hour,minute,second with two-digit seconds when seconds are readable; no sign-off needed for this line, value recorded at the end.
12,34
